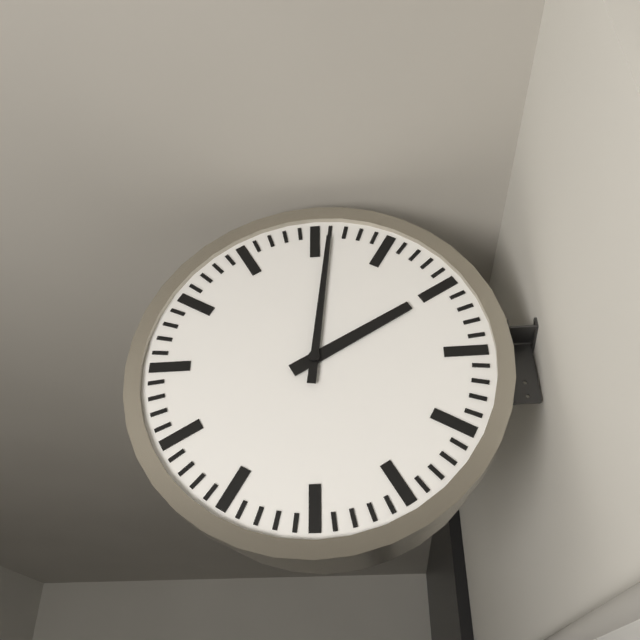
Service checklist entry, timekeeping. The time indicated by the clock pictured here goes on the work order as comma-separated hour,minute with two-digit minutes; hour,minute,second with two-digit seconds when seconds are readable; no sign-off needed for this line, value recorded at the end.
2,01
